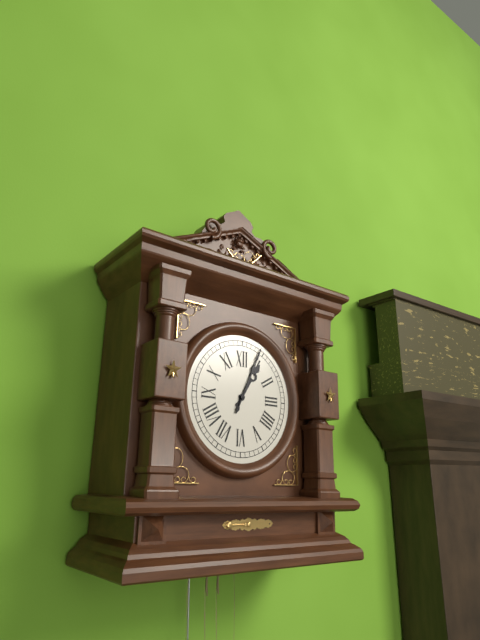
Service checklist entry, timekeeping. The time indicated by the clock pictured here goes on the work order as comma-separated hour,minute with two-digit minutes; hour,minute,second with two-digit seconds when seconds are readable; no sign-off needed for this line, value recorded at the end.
1,04
